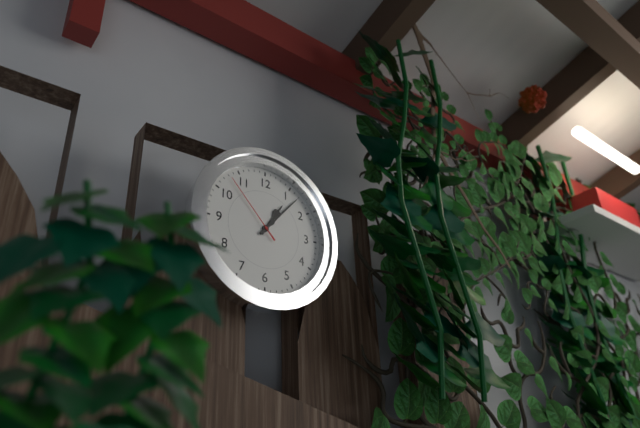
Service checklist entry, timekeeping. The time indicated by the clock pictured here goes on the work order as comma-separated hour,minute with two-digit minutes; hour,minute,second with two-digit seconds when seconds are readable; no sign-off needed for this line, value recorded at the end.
1,07,53
